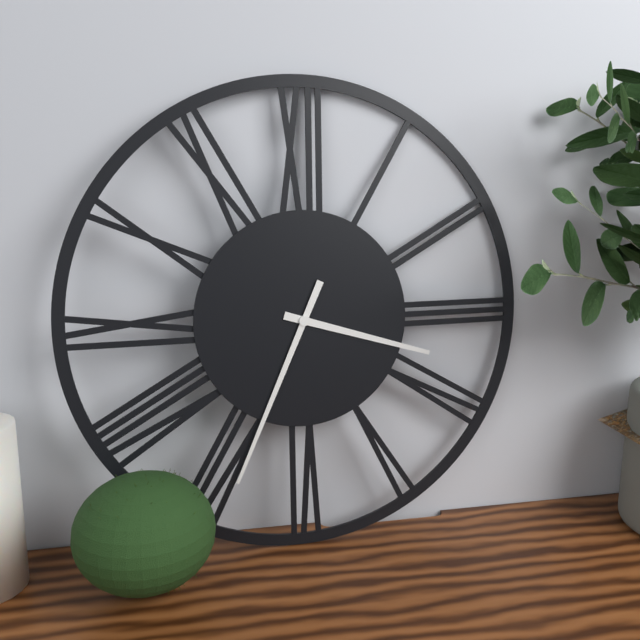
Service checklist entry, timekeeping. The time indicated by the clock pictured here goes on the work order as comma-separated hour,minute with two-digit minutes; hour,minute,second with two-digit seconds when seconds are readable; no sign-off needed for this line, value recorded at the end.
3,34
